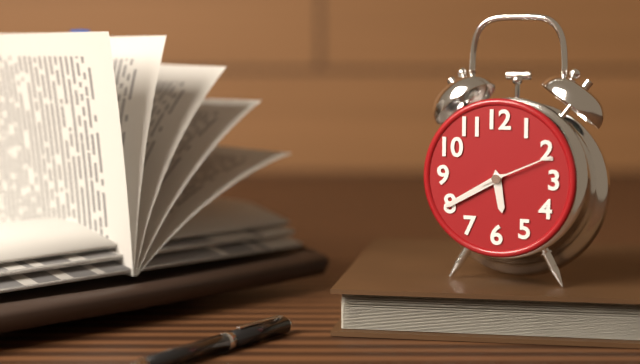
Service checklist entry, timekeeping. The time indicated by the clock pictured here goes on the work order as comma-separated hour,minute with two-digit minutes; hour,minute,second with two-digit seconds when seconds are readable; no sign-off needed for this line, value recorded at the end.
5,40,11
